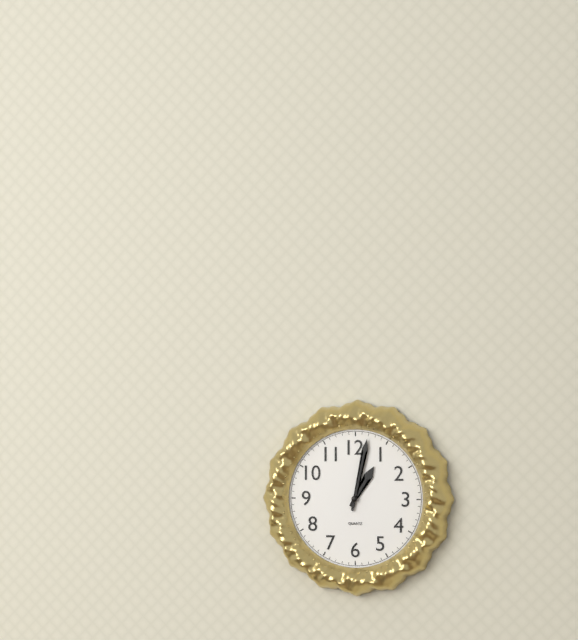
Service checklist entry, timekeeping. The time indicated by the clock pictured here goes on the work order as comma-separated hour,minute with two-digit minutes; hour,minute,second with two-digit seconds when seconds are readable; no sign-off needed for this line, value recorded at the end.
1,02
